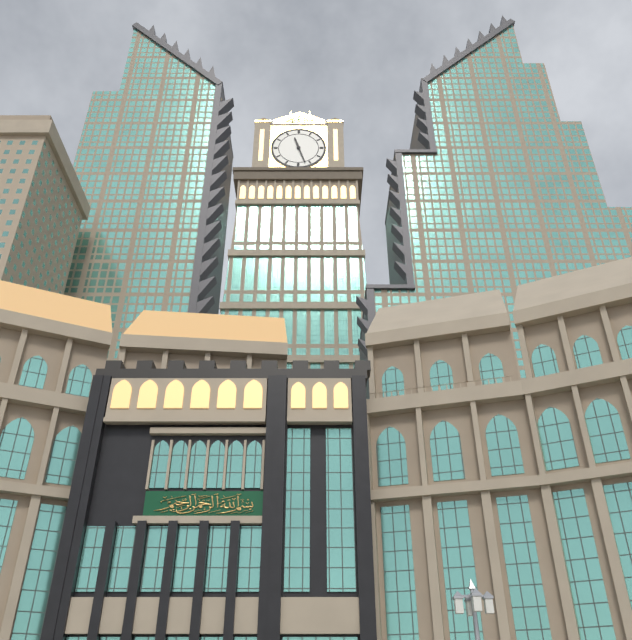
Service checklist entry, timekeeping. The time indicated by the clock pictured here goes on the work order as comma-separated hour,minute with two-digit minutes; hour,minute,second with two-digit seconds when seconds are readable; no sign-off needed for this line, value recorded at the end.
11,27
